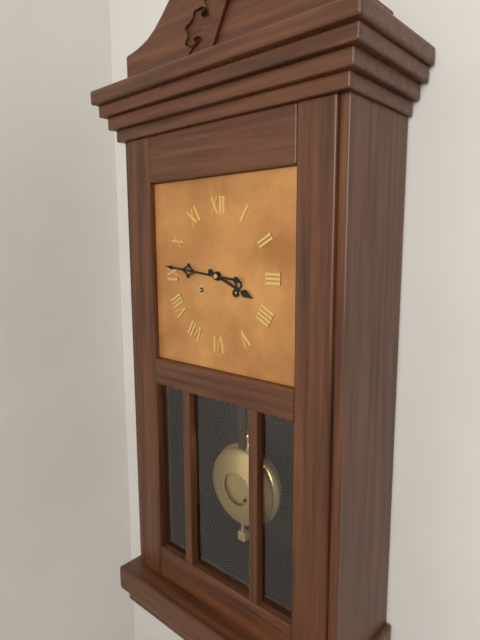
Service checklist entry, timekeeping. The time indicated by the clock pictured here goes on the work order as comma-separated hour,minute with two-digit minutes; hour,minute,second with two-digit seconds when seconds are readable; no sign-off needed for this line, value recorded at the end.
3,46
